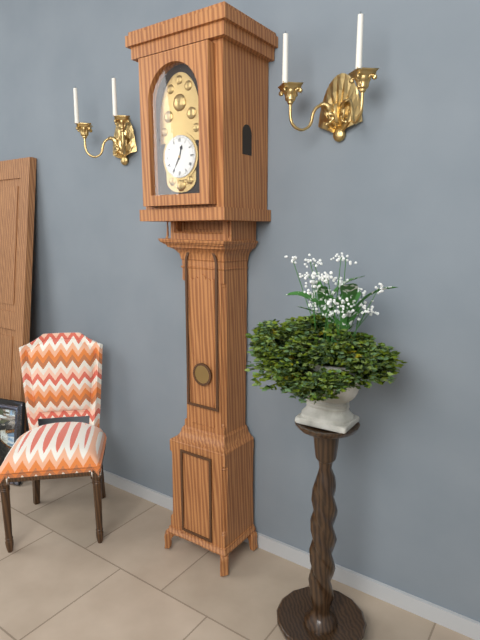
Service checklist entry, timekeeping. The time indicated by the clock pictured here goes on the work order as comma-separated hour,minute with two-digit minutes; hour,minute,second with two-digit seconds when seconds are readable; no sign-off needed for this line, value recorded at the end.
12,35
